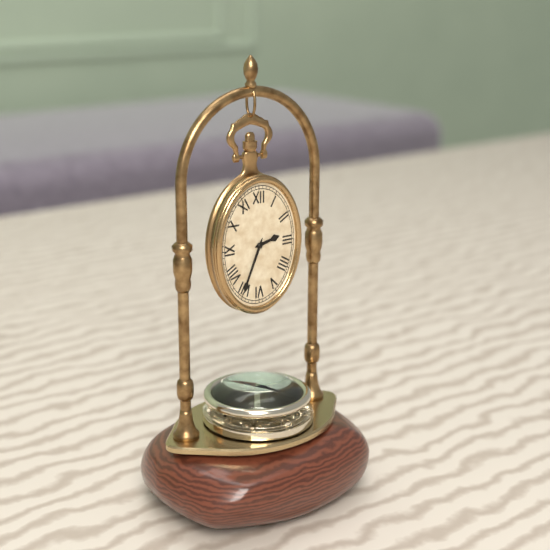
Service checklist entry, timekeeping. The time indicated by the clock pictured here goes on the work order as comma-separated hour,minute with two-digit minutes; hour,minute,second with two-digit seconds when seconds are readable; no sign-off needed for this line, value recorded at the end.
2,34
